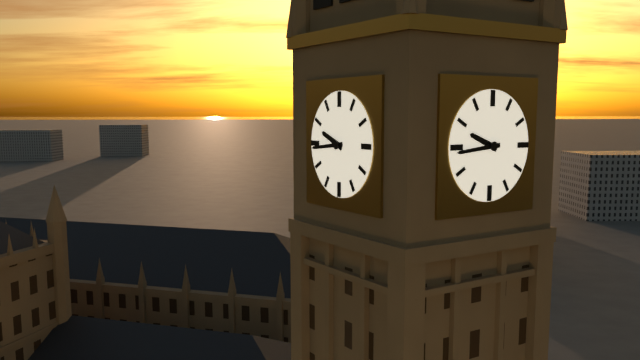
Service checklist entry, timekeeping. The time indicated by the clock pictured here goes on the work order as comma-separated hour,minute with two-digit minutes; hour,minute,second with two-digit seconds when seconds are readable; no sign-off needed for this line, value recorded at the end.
9,44
